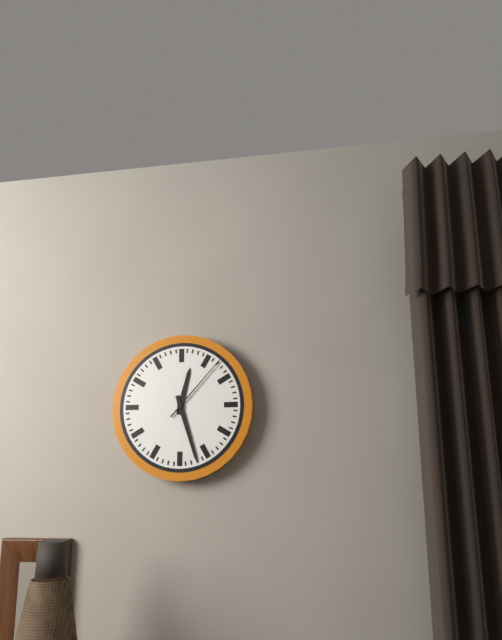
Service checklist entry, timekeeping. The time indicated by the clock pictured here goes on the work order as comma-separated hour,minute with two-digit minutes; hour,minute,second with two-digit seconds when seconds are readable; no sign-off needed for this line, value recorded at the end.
12,27,07
